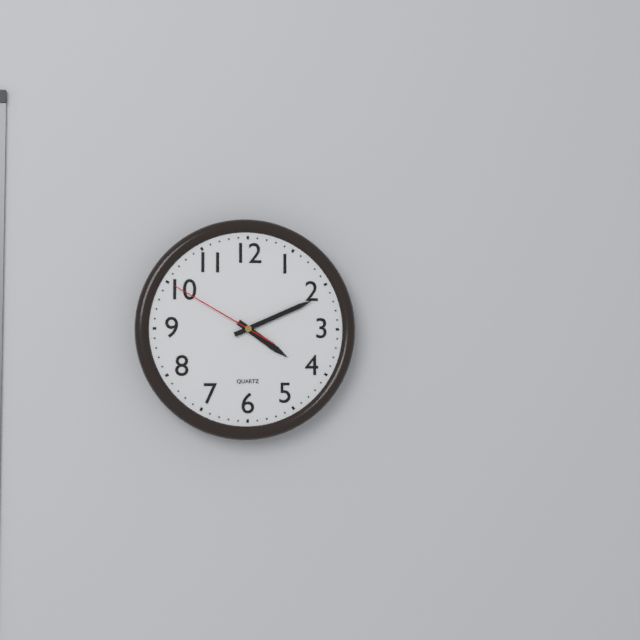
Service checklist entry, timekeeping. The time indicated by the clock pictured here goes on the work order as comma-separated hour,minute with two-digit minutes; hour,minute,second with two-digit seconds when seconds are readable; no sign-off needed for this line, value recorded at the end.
4,11,50
